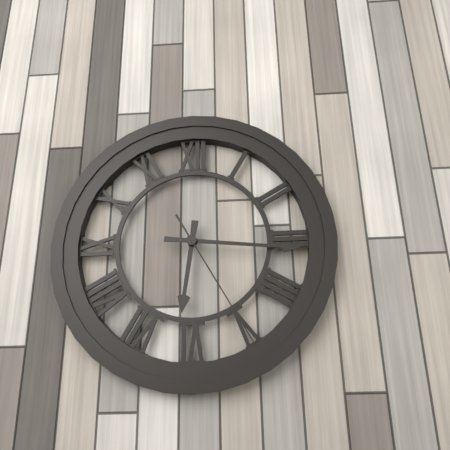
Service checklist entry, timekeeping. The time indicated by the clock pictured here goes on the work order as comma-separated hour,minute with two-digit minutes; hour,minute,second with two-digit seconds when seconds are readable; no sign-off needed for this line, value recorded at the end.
6,16,25
